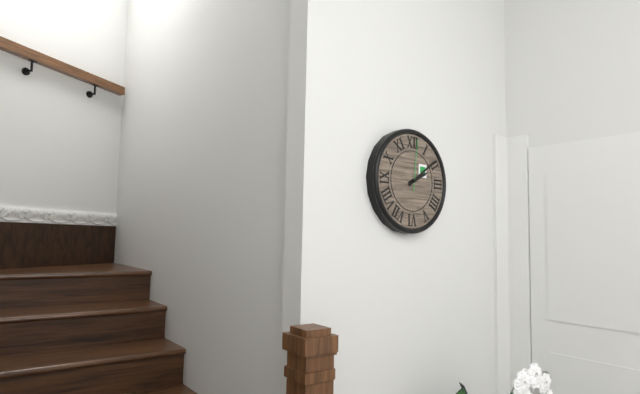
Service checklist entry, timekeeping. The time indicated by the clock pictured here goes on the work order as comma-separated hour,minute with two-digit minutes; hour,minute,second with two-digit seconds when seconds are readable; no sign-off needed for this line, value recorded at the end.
2,09,01
